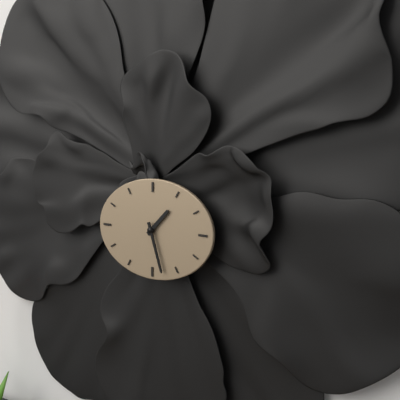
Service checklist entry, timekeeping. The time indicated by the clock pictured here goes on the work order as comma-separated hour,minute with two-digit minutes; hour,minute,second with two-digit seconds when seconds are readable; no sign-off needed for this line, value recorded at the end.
1,27
